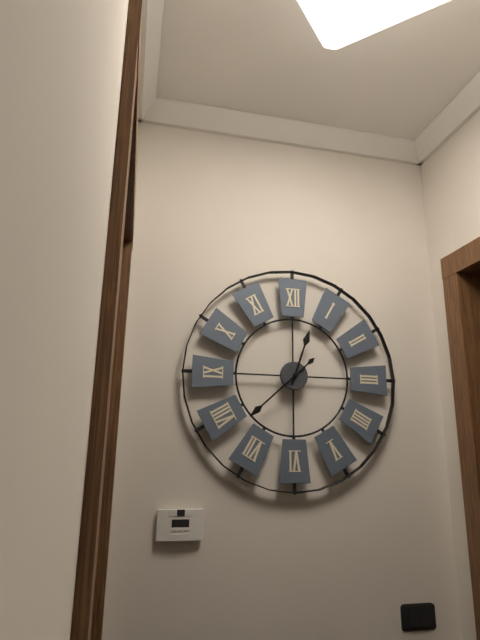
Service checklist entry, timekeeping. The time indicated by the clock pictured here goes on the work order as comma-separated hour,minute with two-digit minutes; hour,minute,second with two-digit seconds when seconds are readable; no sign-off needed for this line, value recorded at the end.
12,38
